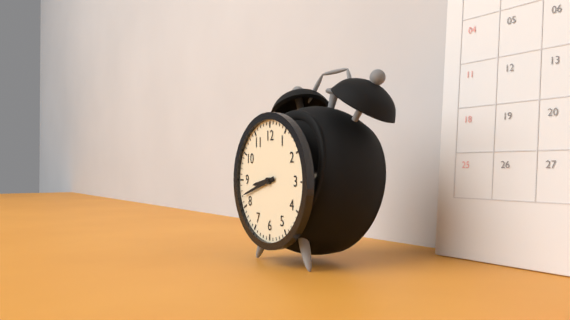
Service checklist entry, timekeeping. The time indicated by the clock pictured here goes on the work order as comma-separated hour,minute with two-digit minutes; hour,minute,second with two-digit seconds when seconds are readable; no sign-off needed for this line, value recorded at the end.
8,42
